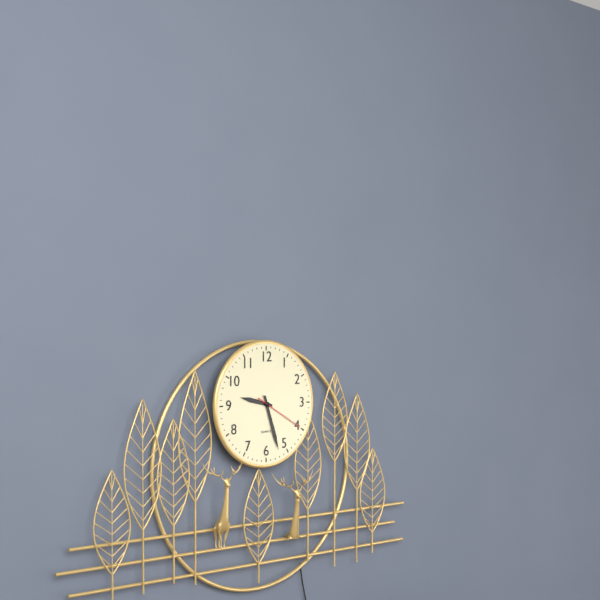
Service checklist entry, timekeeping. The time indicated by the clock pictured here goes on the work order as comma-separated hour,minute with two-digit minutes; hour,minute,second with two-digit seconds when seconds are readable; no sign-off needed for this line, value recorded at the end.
9,27,20
